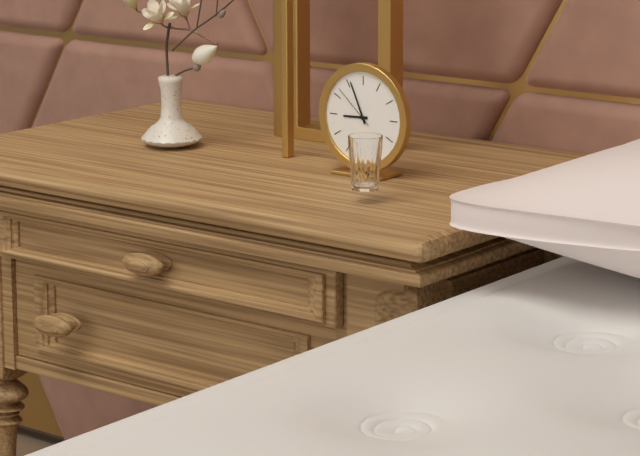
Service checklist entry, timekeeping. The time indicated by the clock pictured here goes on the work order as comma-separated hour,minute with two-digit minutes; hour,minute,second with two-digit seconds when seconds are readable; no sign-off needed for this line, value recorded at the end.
8,56
